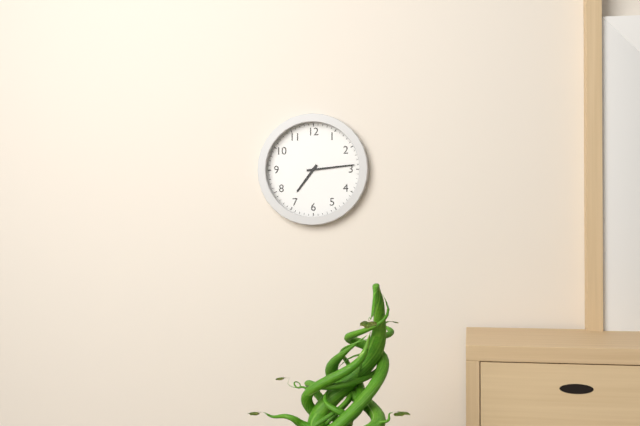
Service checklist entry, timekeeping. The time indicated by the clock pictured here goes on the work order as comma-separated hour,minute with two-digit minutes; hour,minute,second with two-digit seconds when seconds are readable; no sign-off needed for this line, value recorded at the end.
7,14
